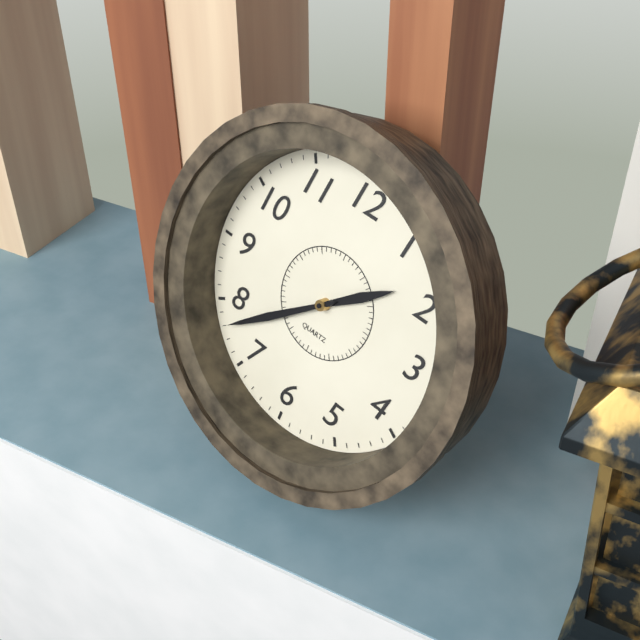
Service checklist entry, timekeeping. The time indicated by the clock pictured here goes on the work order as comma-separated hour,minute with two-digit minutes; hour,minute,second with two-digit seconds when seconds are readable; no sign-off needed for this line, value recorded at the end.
1,38
